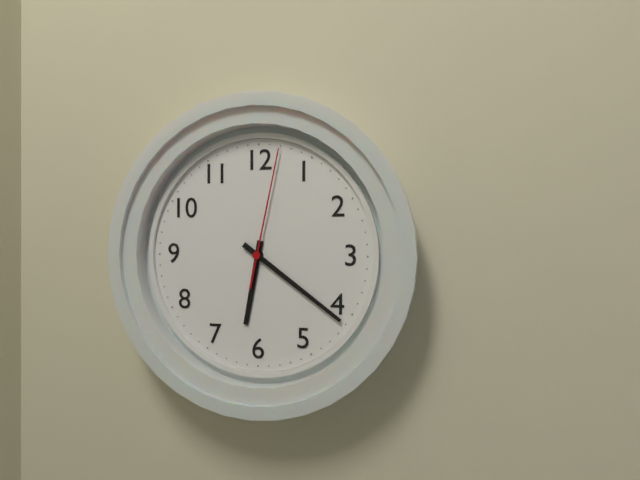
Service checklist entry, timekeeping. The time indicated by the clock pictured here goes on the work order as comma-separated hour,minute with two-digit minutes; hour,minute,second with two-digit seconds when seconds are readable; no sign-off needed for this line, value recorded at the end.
6,21,02
